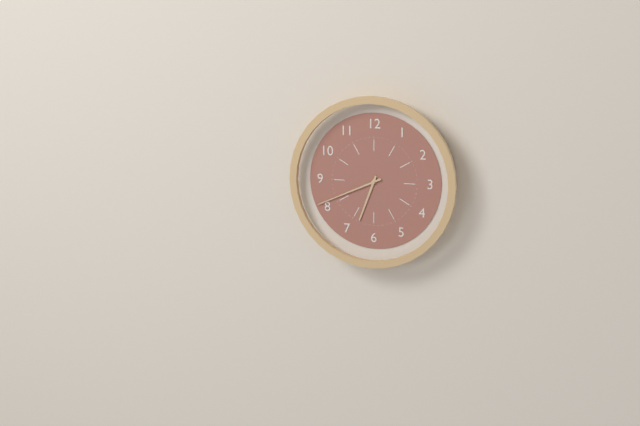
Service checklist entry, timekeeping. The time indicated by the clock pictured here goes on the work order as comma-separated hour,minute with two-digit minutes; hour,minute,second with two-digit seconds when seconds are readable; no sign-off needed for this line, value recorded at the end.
6,41
